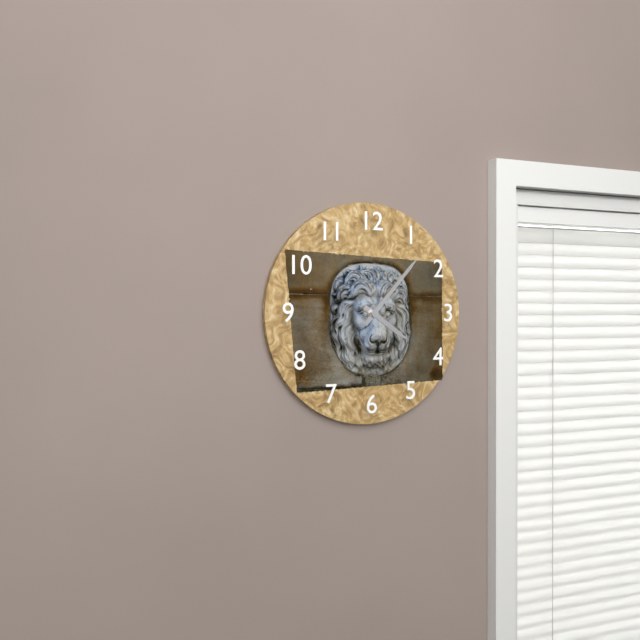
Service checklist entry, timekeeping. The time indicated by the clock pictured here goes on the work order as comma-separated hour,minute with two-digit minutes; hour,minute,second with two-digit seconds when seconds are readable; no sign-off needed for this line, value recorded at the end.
4,07
